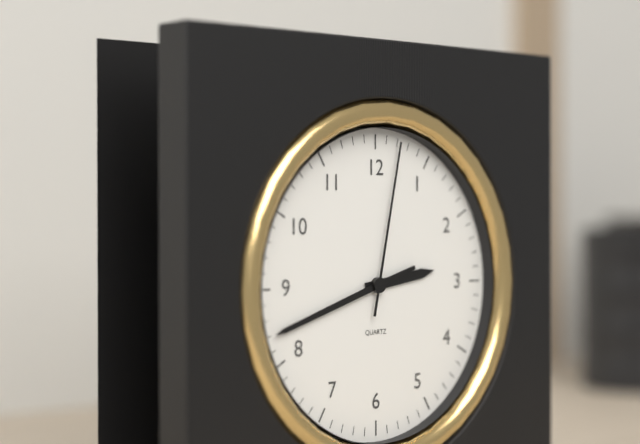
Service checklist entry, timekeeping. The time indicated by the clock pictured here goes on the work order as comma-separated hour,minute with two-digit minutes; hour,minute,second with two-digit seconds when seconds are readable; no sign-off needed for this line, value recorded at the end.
2,42,02
